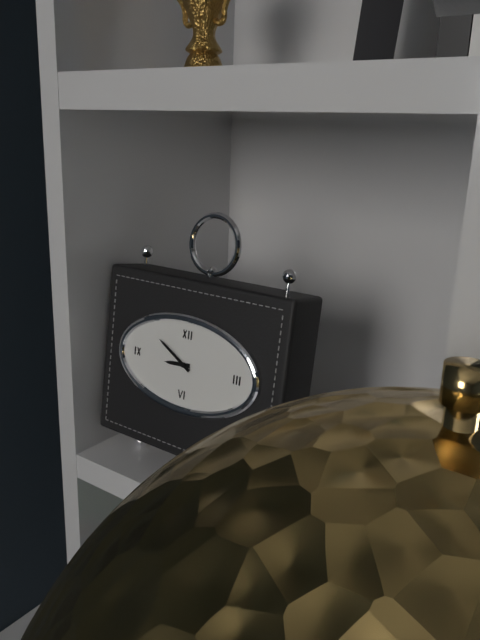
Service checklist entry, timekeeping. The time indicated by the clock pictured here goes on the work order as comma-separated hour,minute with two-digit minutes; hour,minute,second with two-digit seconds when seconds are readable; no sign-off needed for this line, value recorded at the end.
8,50
